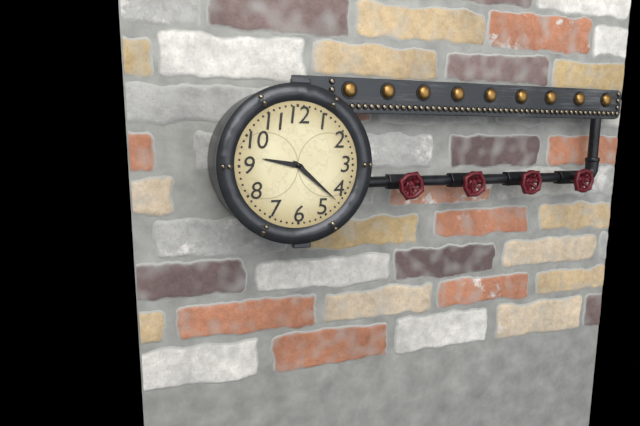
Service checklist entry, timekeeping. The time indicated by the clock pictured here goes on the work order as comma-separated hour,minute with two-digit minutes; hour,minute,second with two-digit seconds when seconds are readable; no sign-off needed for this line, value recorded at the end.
9,22
